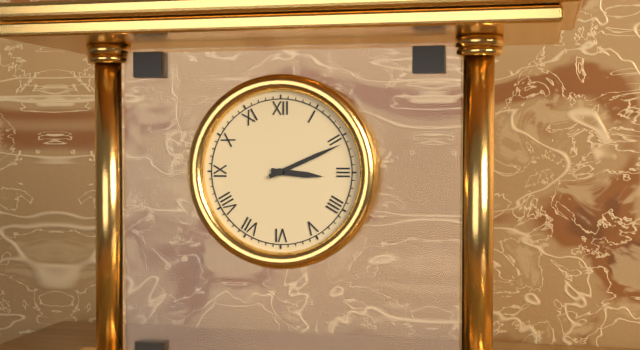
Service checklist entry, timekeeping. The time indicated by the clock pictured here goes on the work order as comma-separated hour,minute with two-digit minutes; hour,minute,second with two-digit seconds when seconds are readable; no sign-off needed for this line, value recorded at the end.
3,11
